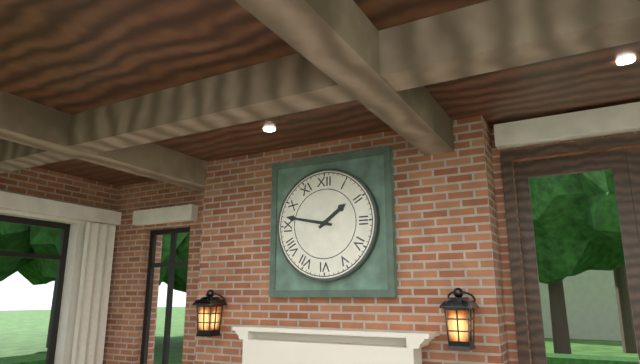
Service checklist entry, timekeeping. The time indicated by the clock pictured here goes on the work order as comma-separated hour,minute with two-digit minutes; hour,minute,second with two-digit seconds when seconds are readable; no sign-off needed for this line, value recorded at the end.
1,47
